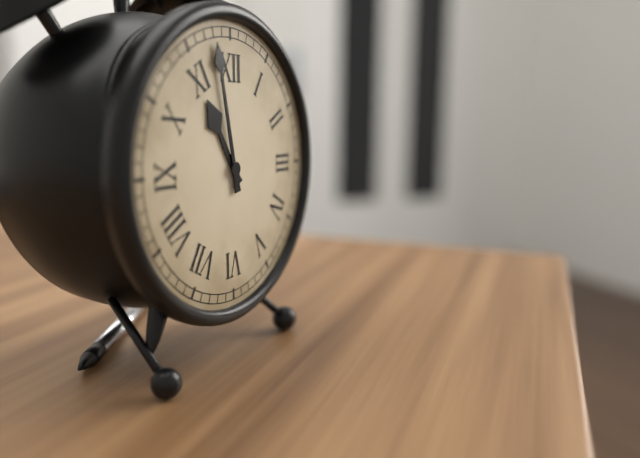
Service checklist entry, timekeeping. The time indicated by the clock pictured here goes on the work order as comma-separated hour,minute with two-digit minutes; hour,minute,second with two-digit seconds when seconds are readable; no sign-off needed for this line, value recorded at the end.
10,58
